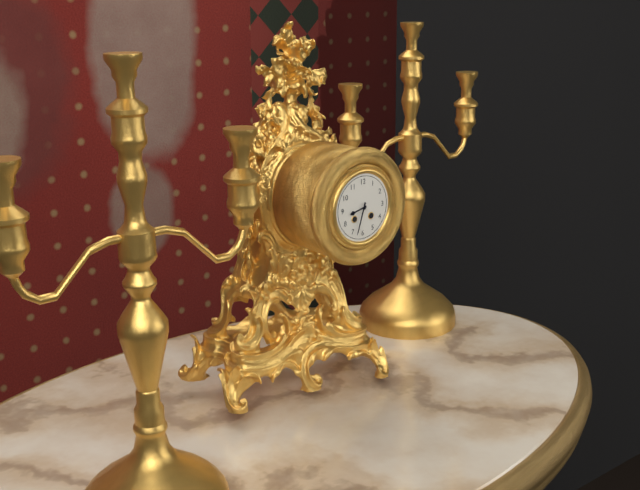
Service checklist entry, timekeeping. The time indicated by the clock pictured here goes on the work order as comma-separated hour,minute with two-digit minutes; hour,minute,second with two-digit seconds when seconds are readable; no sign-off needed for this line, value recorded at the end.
8,33
